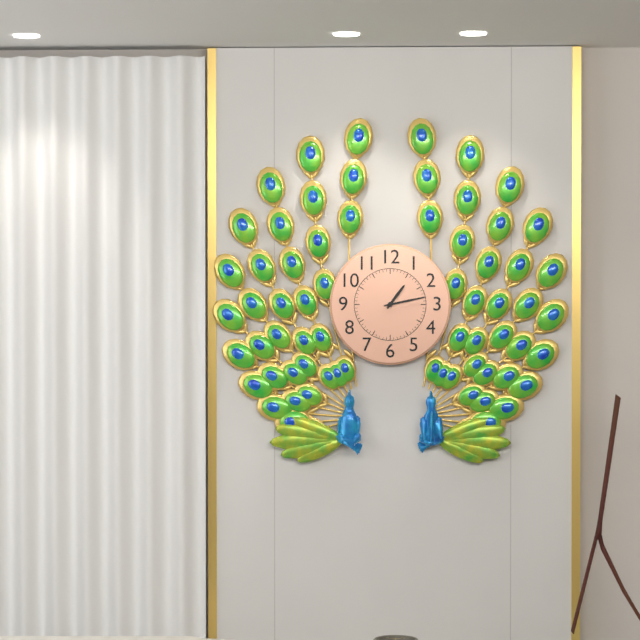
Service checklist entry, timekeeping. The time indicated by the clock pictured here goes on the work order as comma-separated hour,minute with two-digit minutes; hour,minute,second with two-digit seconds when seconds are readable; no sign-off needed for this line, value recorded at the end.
1,13
